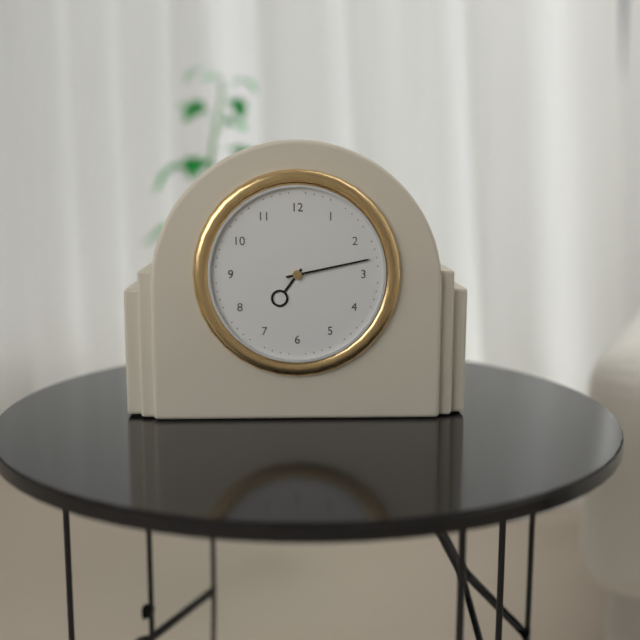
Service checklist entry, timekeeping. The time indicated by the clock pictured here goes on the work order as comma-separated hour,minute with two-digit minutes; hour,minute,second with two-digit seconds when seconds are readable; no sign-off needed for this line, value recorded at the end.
7,13
